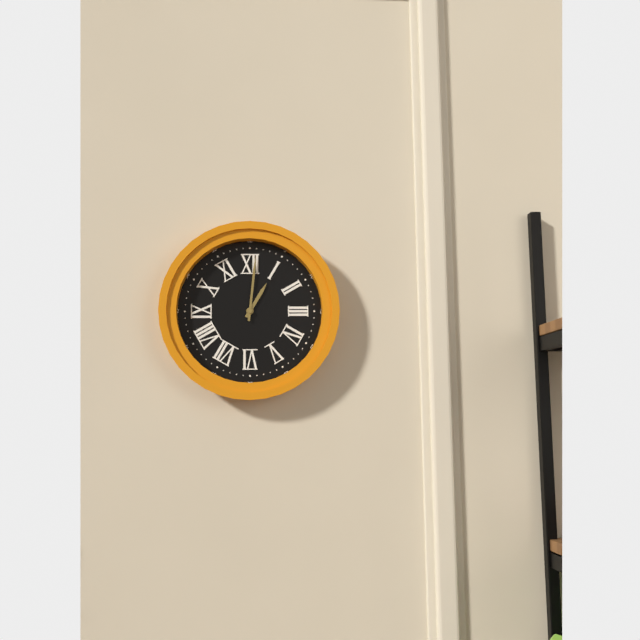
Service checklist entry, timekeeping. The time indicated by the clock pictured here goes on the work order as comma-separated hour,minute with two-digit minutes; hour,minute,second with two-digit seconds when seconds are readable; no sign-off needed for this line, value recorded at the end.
1,01
